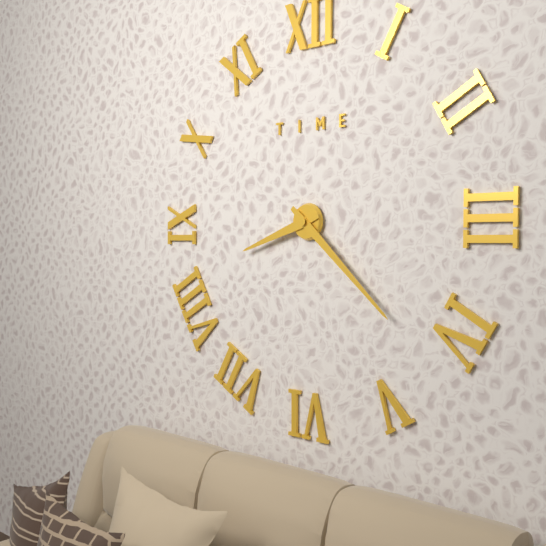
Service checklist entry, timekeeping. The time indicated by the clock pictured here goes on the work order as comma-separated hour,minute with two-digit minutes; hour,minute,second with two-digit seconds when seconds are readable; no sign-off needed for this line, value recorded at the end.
8,22
